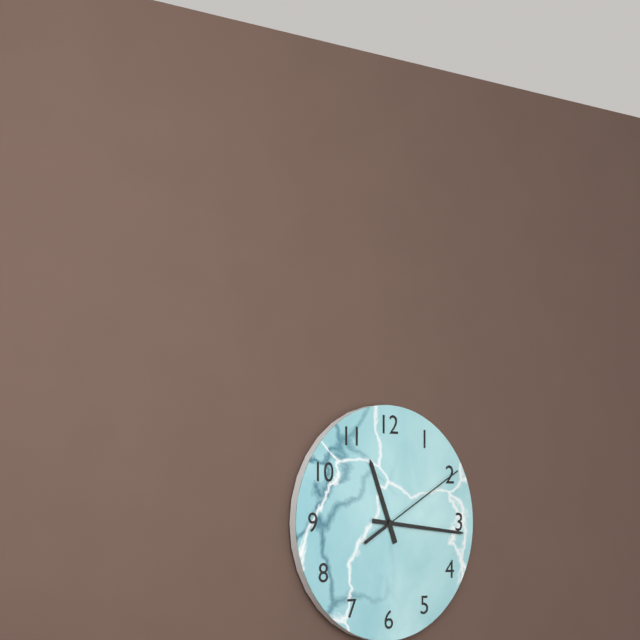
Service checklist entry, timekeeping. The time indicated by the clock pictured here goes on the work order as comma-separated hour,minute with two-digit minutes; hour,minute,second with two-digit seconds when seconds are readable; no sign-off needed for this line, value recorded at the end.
11,16,10
